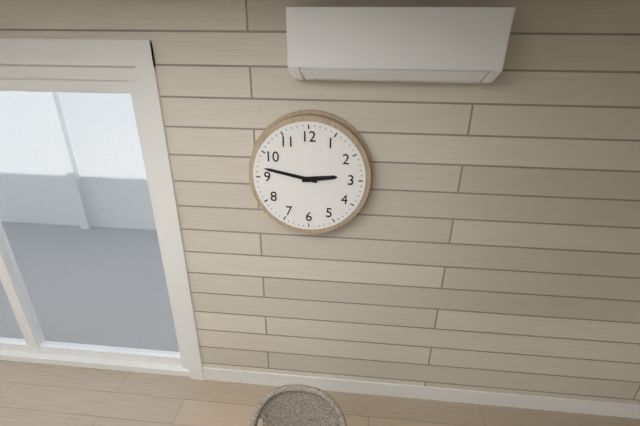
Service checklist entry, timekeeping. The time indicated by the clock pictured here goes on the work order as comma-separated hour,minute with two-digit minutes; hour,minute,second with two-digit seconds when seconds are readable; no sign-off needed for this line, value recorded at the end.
2,47
